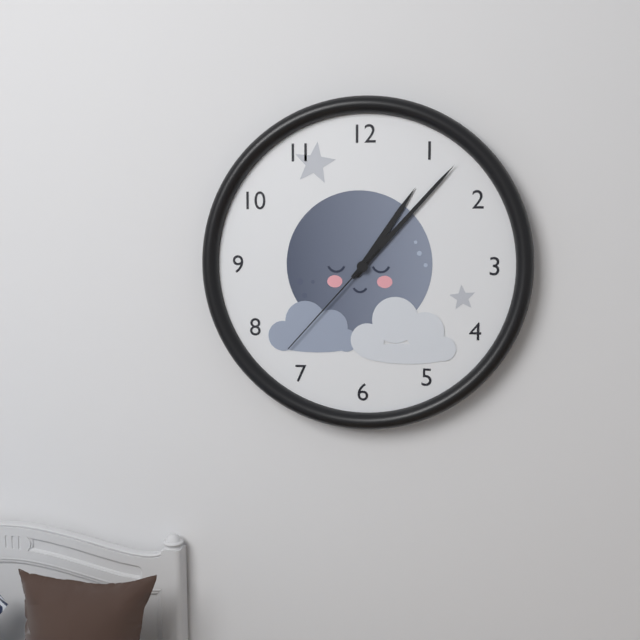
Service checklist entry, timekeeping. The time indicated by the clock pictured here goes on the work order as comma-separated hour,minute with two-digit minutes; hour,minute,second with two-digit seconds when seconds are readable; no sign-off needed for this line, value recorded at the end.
1,07,37
